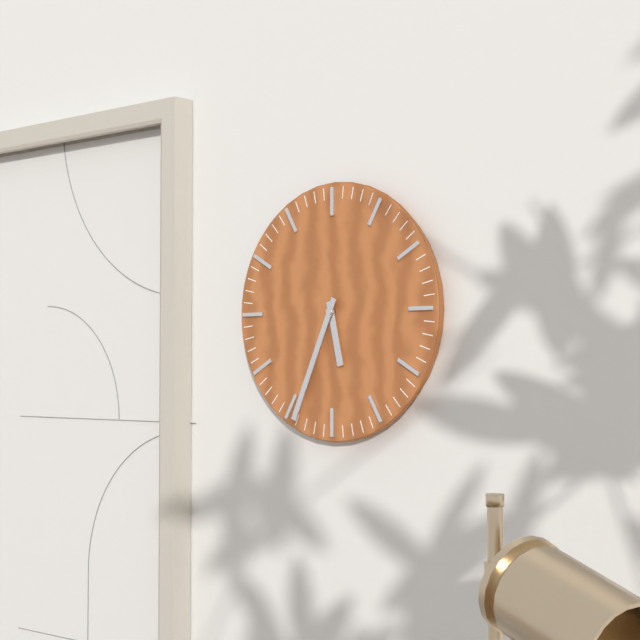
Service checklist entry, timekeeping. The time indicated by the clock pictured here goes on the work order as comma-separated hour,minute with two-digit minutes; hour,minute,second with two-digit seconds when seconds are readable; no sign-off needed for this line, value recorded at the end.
5,34
